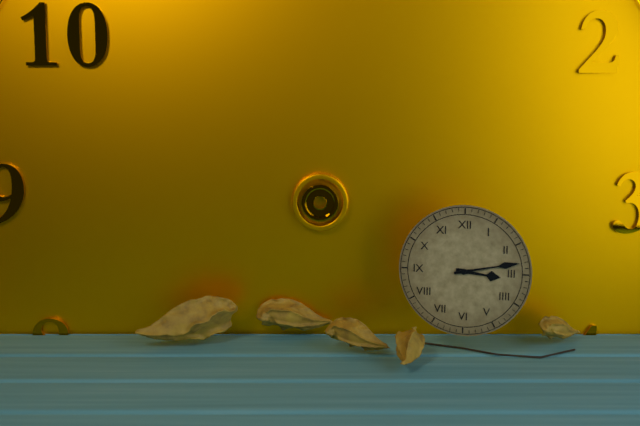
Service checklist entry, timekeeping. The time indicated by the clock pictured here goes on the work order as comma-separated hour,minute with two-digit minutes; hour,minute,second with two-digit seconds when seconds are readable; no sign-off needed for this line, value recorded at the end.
3,13
